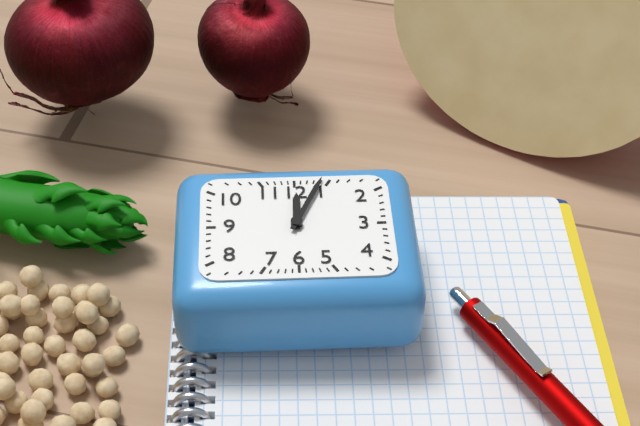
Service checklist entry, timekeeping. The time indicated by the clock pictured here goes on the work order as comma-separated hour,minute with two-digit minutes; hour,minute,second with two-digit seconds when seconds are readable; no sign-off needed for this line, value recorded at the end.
12,04
